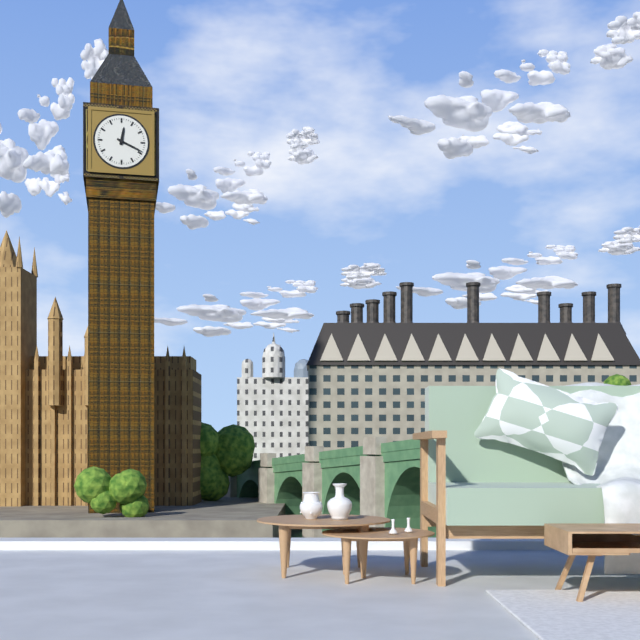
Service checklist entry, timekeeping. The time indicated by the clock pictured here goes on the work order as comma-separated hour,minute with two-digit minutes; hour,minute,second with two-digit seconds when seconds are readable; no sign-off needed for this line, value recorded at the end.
12,19
